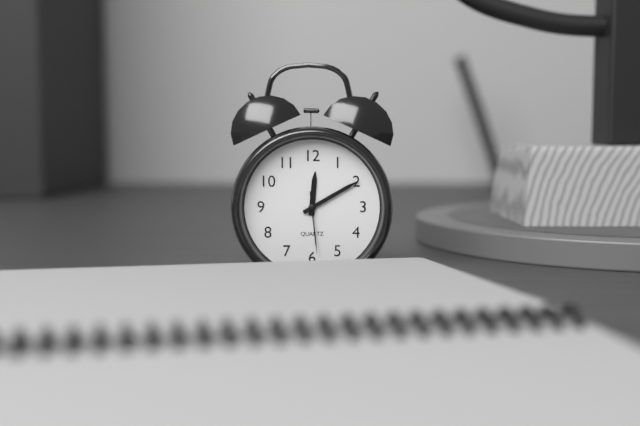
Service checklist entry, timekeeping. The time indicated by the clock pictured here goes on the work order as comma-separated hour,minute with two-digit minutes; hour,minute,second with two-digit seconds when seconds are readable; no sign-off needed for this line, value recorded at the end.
12,10,29
